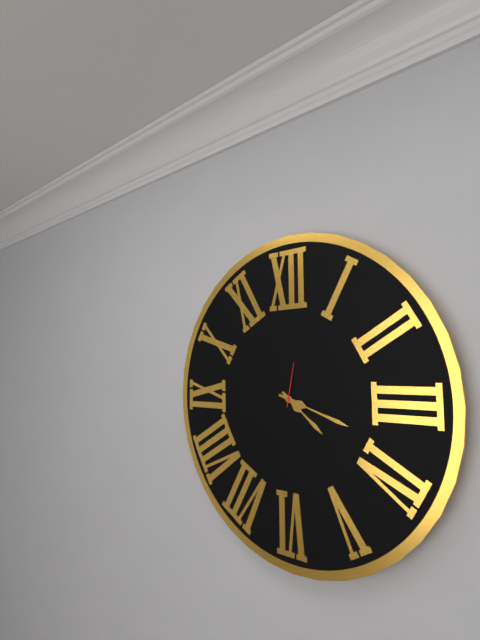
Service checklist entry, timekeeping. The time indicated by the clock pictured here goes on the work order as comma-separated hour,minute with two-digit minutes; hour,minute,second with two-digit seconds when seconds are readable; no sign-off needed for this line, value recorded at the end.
4,18
